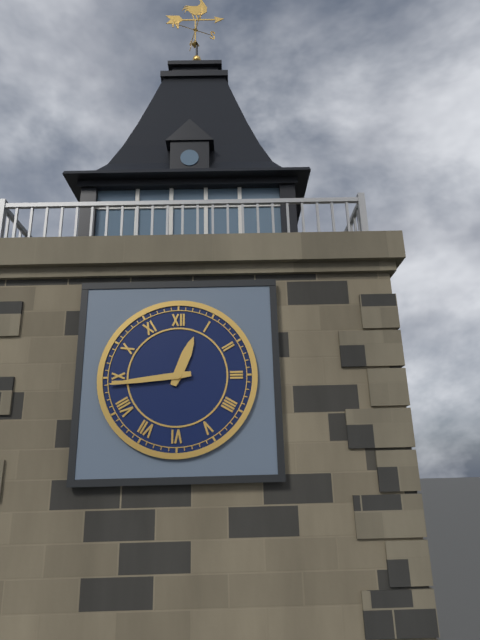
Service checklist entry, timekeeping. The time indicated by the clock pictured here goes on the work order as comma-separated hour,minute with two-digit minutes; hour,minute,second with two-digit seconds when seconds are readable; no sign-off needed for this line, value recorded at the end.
12,44
